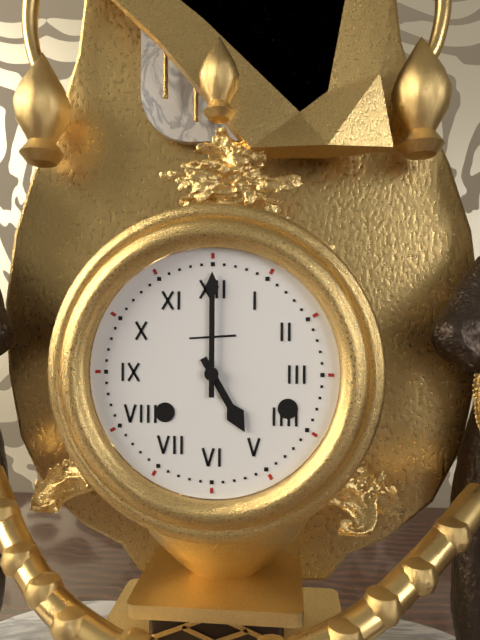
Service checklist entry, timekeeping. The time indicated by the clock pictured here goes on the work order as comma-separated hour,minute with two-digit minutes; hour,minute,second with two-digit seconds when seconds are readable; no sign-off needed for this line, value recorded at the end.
5,00
